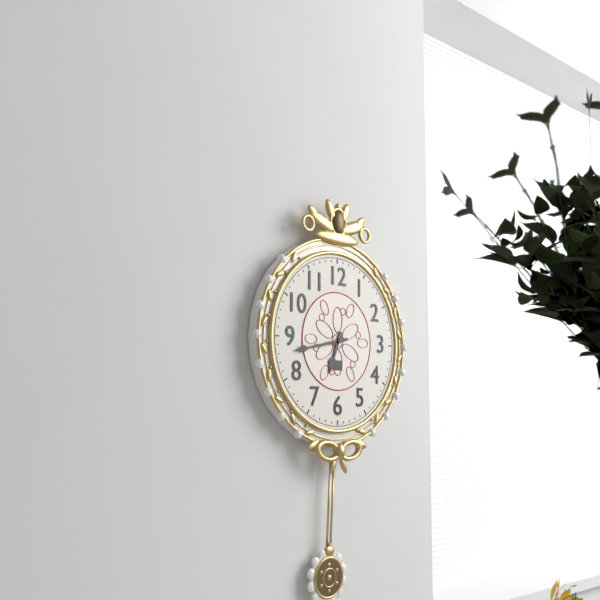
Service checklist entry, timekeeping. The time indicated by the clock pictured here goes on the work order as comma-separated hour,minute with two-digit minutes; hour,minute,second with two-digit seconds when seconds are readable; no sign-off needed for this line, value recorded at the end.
6,43
